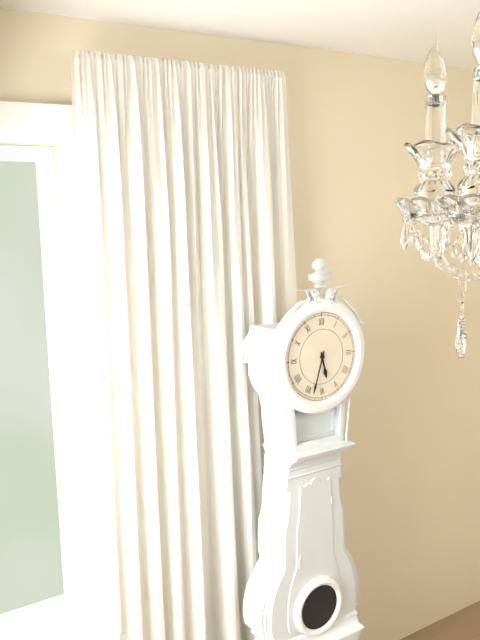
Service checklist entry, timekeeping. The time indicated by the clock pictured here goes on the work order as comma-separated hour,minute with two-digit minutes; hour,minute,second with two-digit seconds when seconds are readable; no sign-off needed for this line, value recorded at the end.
5,33
